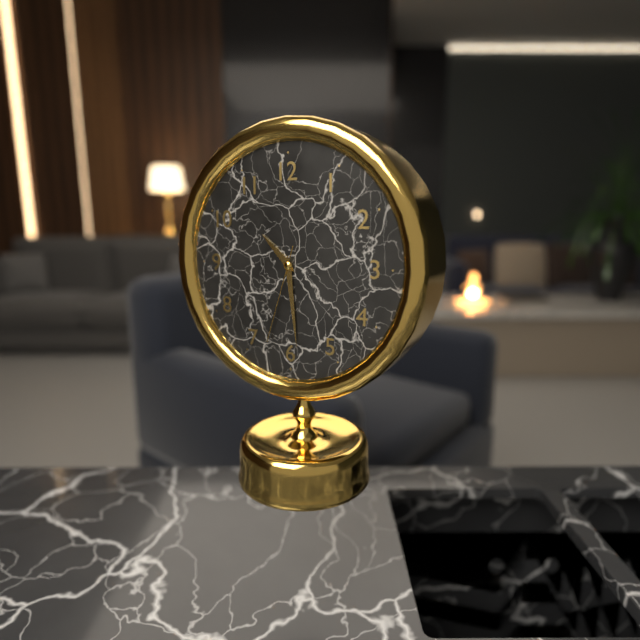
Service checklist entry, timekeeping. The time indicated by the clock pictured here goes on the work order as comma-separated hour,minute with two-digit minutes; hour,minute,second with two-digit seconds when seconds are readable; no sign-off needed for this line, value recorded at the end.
10,29,33
